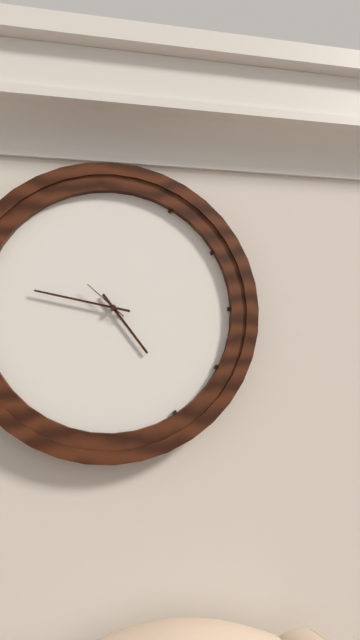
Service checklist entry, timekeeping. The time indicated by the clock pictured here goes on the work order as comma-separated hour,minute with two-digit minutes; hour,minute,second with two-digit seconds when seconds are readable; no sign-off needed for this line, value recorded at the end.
4,47
